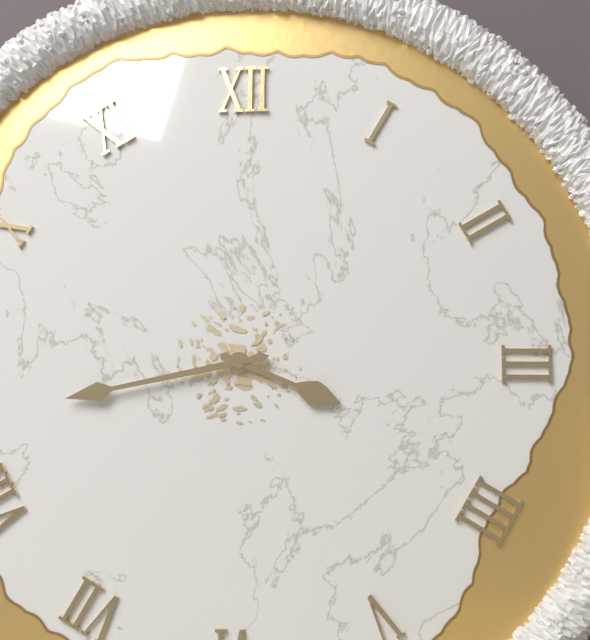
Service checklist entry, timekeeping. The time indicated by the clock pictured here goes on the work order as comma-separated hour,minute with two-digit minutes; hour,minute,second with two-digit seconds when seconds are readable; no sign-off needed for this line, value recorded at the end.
3,43
